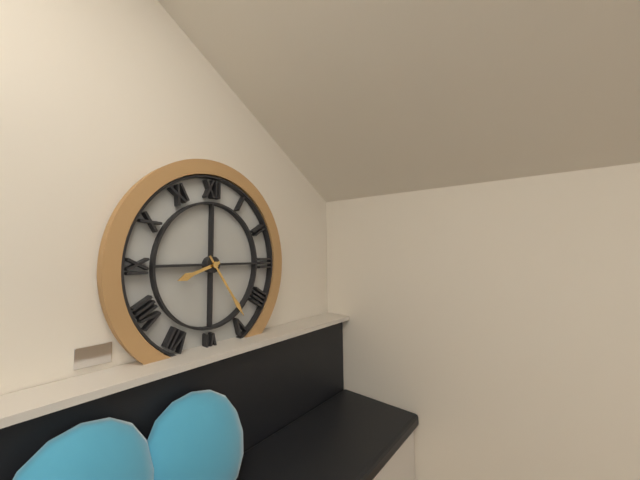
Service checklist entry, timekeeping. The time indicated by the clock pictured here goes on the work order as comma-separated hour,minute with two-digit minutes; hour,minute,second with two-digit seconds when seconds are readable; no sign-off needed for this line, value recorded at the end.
8,24
